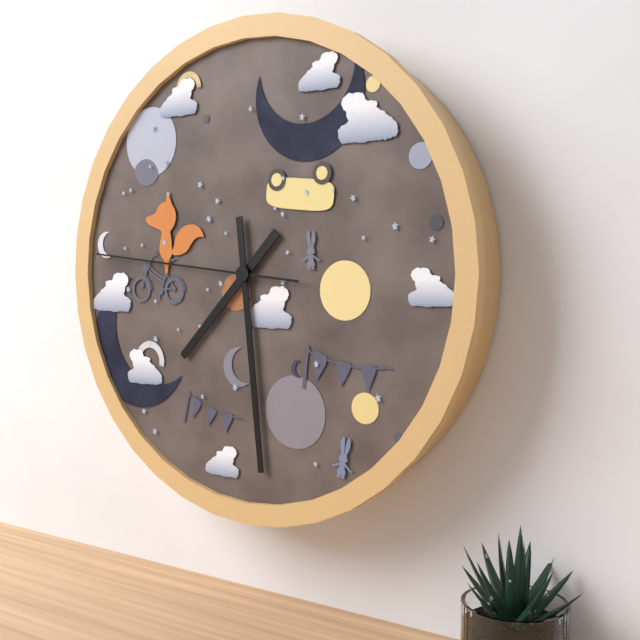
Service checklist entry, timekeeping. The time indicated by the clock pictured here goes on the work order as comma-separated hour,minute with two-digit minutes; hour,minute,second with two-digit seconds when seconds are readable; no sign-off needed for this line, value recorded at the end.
7,29,46
